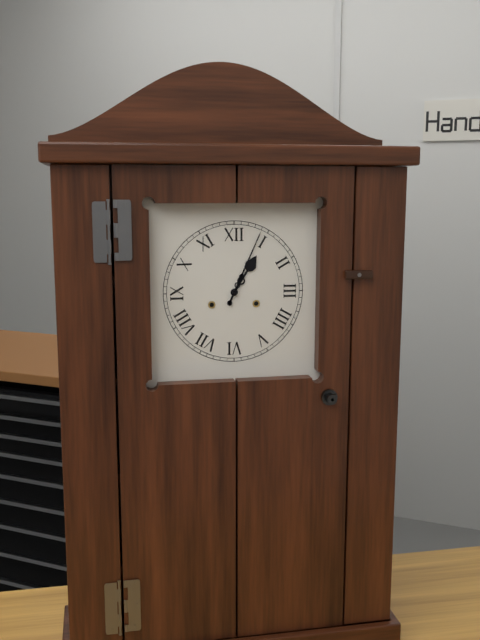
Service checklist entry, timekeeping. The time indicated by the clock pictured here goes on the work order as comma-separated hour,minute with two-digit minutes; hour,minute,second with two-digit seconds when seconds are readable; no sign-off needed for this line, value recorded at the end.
1,04
